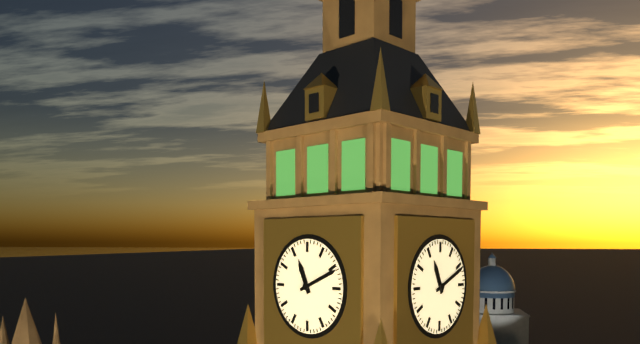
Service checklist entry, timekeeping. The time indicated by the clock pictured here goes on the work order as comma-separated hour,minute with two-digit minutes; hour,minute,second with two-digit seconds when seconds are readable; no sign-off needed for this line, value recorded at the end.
11,11
